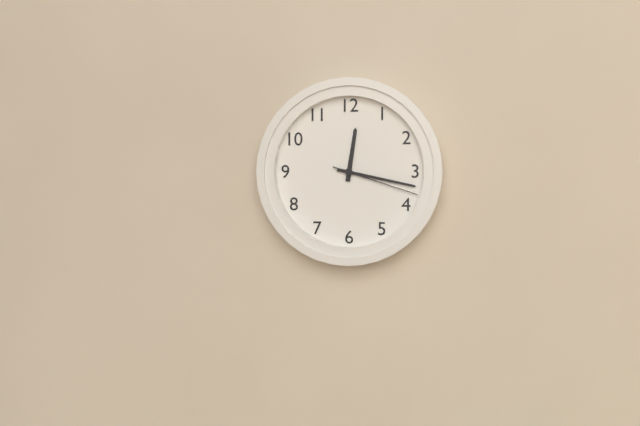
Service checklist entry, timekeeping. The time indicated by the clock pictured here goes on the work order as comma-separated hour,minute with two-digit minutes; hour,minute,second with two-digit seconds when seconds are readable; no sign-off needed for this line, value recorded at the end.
12,17,18
